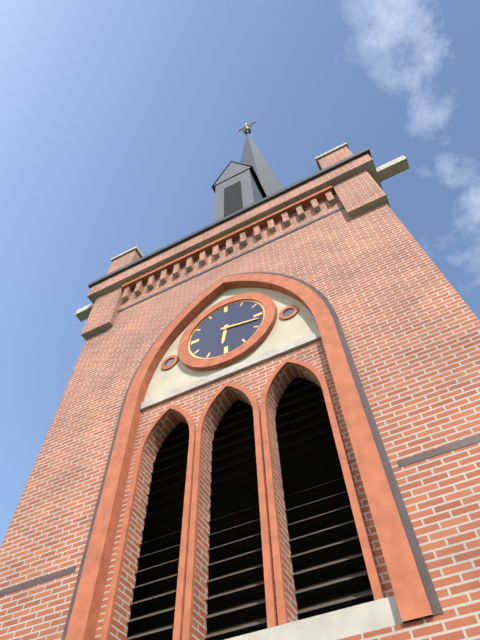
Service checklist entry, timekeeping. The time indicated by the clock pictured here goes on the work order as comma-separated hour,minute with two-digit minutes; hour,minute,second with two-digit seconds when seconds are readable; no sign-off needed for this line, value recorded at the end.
6,17
